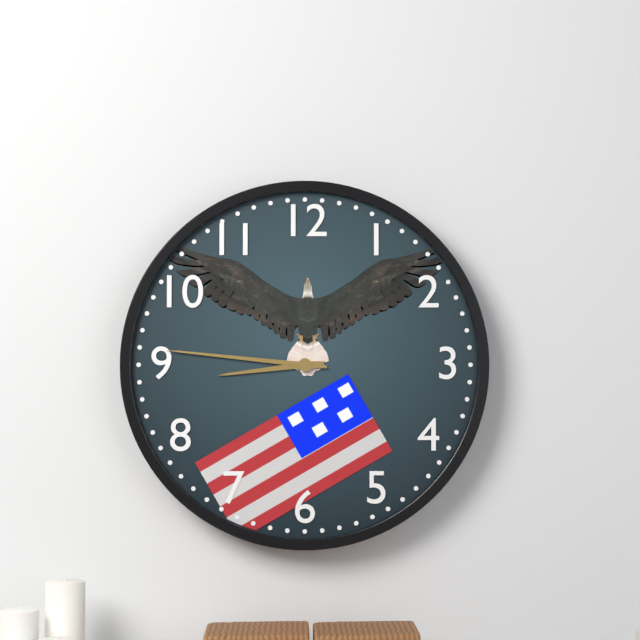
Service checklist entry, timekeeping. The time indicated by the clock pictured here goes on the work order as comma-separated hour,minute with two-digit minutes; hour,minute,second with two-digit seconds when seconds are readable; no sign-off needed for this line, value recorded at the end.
8,46
